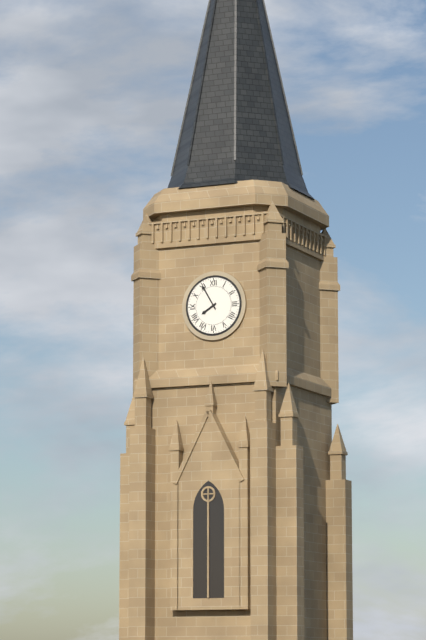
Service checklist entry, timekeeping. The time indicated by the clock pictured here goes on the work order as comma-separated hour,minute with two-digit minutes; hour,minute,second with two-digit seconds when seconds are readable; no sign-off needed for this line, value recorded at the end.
7,55
